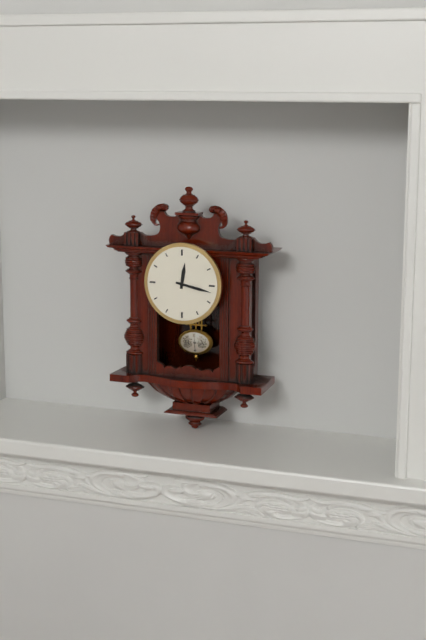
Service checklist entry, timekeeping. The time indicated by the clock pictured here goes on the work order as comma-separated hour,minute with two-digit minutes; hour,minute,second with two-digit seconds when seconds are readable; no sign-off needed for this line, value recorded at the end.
12,17
